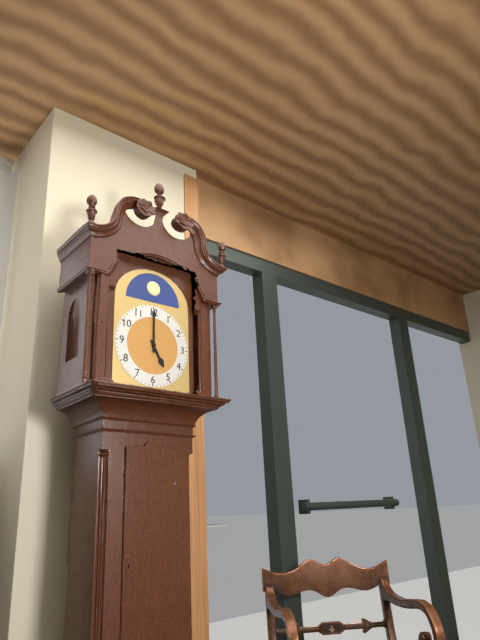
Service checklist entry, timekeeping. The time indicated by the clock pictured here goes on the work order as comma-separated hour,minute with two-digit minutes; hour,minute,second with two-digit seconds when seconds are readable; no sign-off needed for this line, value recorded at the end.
5,00
